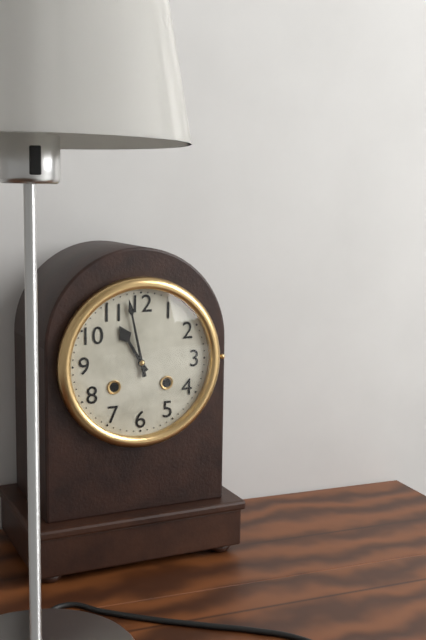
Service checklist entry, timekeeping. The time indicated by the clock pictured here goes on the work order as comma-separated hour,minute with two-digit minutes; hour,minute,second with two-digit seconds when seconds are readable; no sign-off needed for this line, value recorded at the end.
10,58
